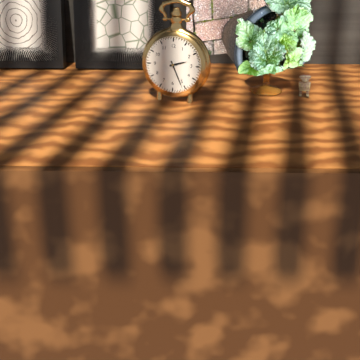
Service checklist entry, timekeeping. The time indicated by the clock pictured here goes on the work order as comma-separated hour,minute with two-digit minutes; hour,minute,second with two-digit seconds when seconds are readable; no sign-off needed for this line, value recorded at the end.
2,26
